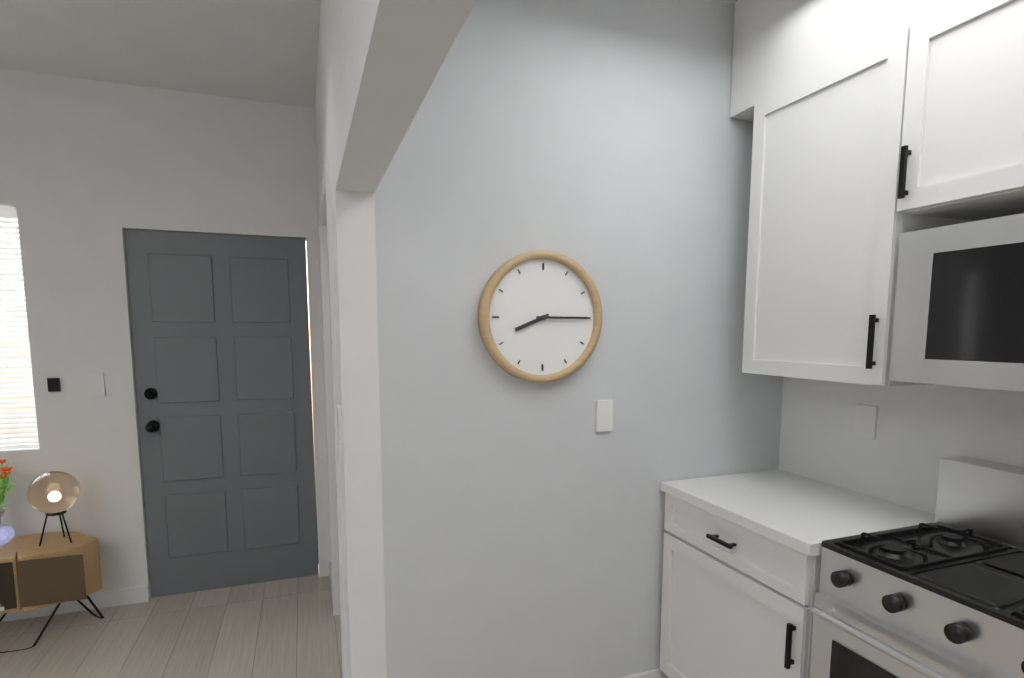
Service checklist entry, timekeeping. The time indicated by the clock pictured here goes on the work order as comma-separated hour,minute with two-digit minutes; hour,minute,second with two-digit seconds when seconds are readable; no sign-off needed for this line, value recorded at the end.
8,15
